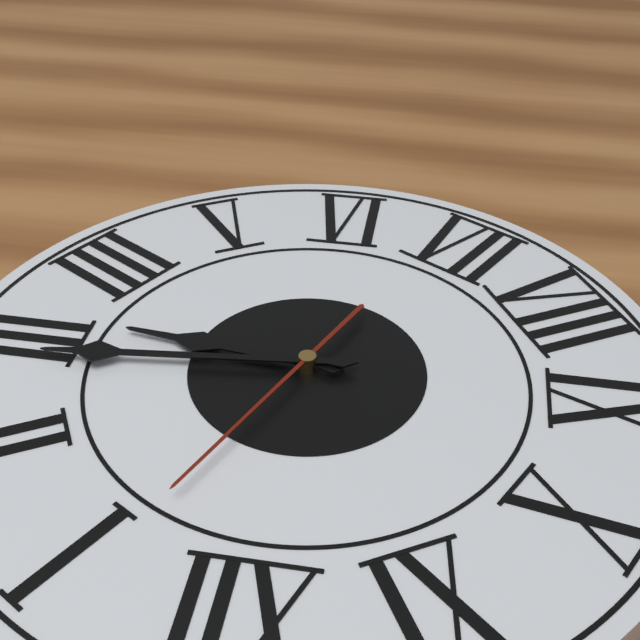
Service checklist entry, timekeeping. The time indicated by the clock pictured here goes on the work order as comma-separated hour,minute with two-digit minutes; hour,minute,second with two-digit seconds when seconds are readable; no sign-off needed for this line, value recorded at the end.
3,14,04
